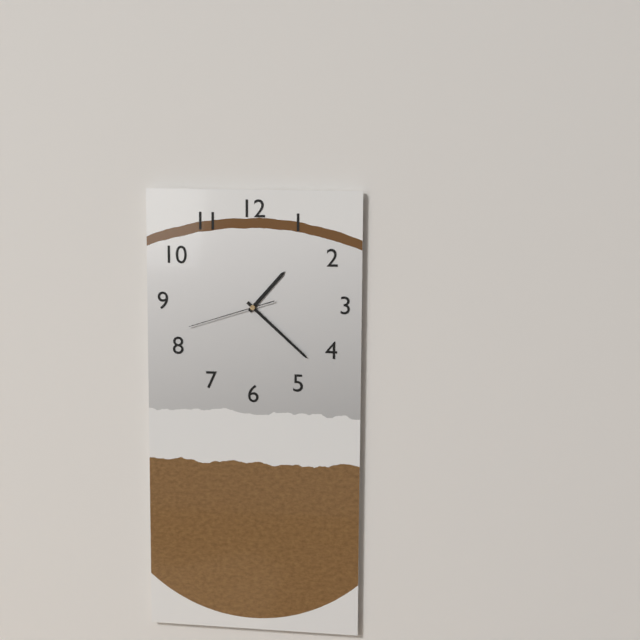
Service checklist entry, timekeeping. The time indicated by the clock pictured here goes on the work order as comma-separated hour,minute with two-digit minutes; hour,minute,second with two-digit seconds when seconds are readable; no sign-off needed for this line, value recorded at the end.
1,22,42
